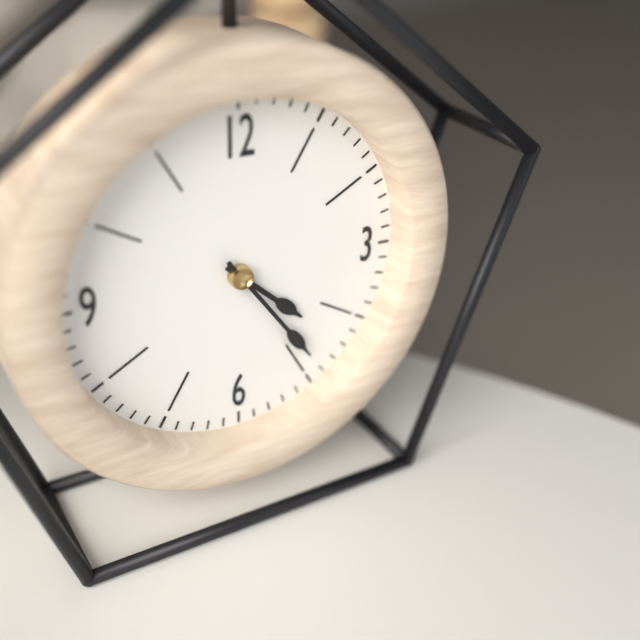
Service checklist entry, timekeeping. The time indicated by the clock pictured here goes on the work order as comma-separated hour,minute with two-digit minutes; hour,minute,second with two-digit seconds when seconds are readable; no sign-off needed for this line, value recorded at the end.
4,24
